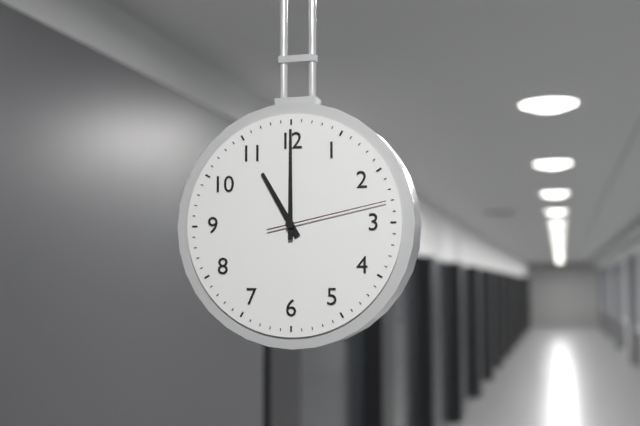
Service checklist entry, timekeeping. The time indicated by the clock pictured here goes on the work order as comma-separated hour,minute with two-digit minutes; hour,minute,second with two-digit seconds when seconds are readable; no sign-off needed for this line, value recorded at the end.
11,00,13
